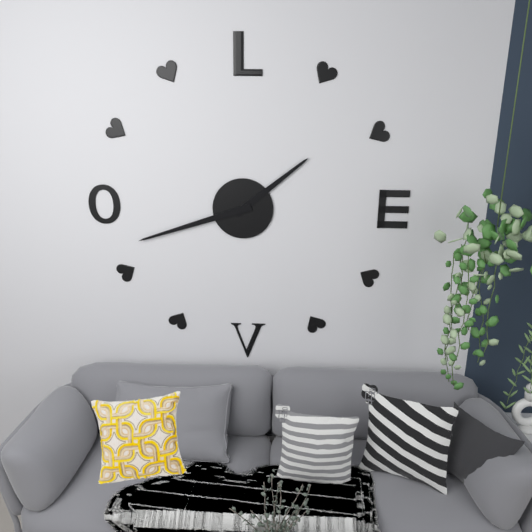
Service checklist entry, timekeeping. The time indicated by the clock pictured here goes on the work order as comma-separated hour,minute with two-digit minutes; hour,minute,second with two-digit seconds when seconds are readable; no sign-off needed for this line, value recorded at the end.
1,42
